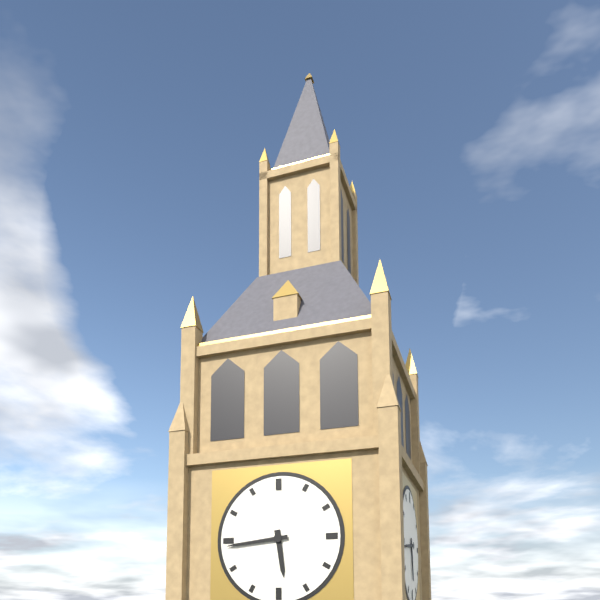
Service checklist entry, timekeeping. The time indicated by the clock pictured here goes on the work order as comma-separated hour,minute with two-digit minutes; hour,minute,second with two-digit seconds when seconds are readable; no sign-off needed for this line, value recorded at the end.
5,44
